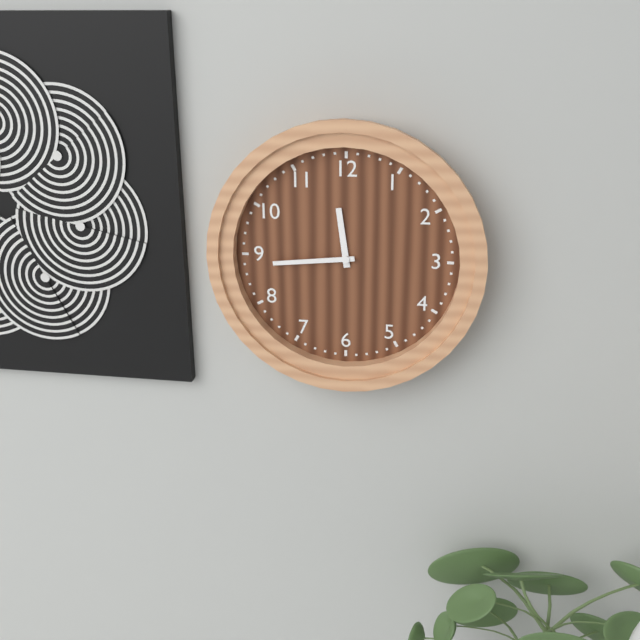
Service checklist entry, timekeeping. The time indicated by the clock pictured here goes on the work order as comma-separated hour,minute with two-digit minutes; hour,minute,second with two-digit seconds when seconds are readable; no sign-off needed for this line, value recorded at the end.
11,44
